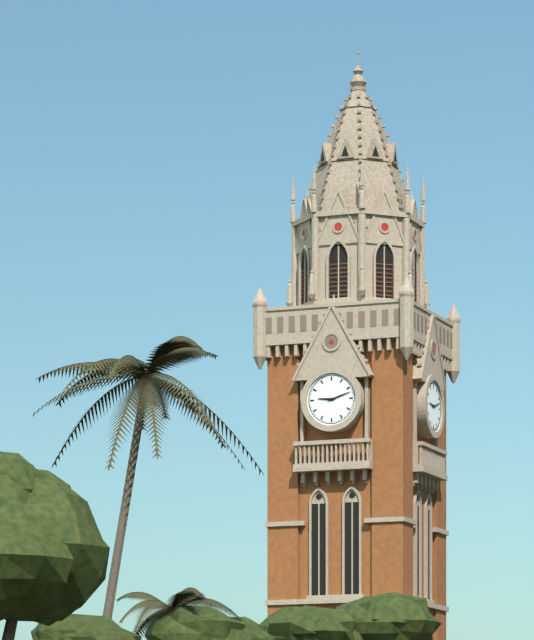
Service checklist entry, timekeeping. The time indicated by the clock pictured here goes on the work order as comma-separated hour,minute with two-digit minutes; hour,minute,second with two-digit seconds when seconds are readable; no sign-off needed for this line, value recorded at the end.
9,12
